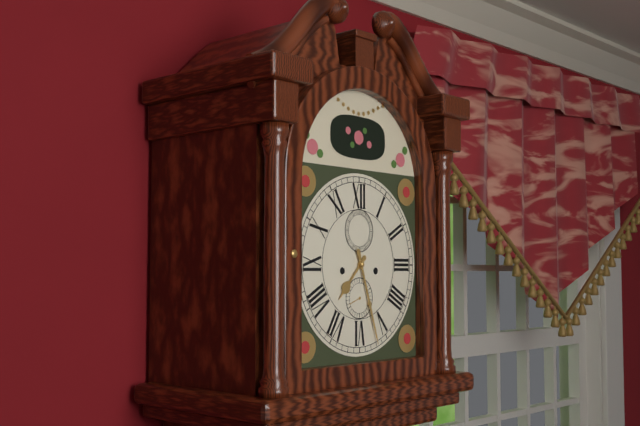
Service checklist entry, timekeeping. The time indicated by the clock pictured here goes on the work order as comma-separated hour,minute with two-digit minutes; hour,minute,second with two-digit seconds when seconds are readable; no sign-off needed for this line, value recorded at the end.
7,27
